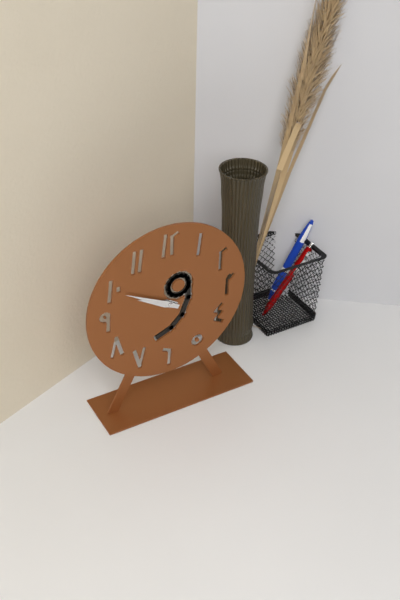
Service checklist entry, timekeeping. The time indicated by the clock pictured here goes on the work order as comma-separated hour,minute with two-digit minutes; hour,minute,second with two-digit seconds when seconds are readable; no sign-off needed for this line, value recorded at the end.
9,50
